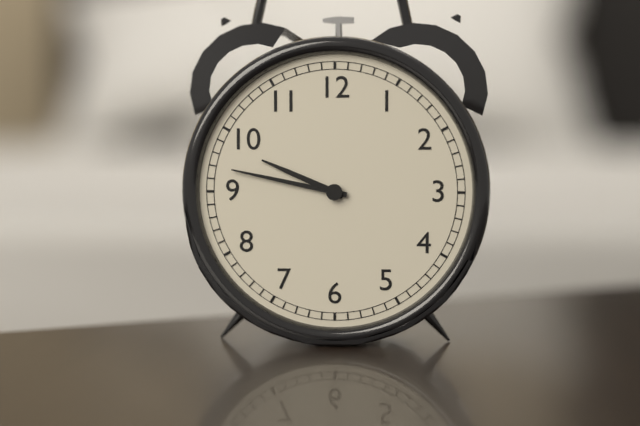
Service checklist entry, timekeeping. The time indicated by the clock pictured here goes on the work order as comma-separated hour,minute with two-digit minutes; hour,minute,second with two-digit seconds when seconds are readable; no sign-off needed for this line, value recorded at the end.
9,47
